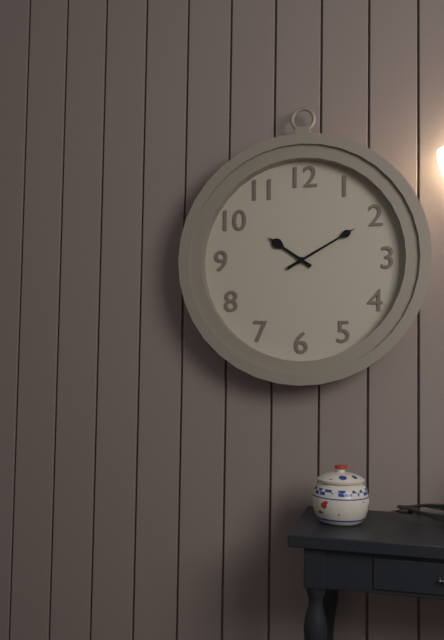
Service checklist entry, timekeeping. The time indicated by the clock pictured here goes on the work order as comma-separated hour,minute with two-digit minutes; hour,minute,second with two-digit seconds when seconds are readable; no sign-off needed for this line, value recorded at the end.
10,10
